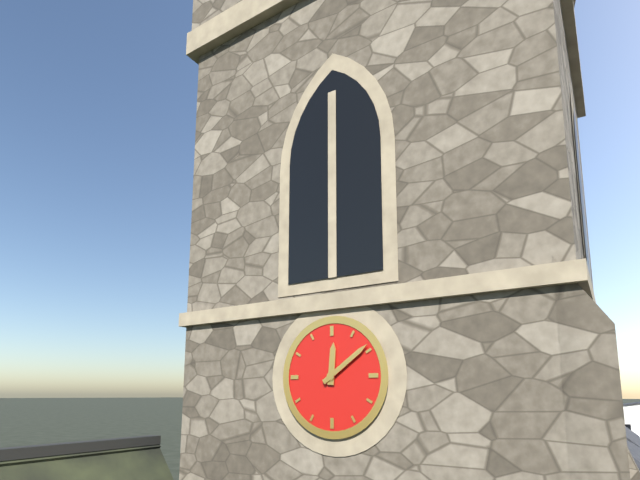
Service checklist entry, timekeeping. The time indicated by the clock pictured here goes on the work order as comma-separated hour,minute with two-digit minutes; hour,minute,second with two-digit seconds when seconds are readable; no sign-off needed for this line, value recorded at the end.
12,09
